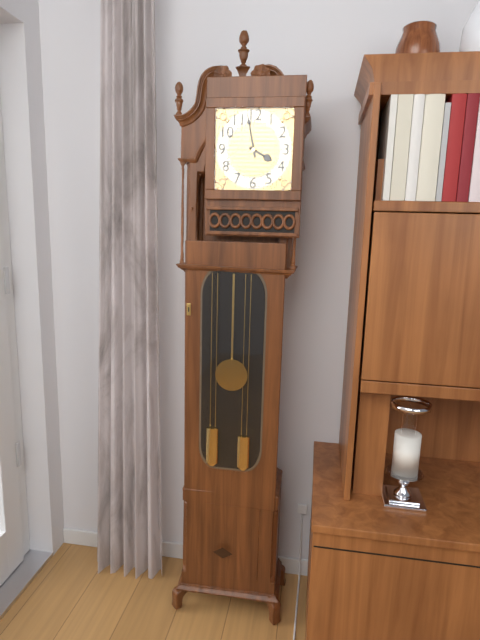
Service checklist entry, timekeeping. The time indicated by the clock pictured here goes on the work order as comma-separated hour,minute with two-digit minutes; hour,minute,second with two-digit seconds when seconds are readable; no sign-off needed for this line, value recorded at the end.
3,58
